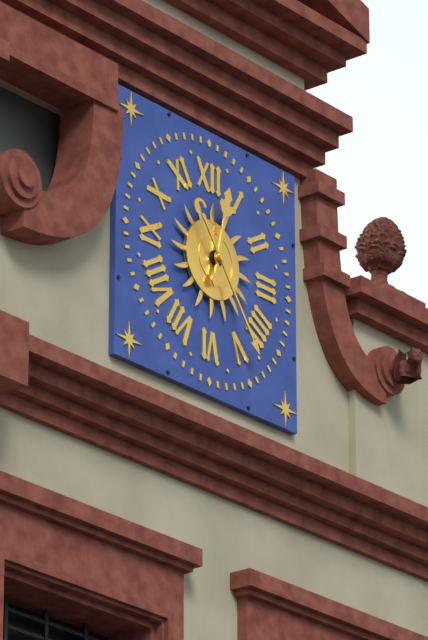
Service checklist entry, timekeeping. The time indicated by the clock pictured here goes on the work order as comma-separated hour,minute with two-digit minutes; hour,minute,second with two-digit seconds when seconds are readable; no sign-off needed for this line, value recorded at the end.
12,24
